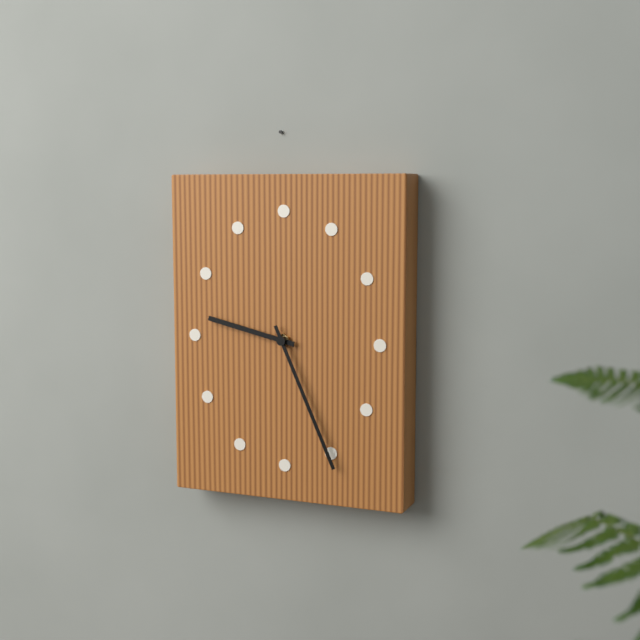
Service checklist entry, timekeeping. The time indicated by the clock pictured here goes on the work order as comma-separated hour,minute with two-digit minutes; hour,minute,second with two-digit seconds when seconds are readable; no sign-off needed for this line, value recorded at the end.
9,26
